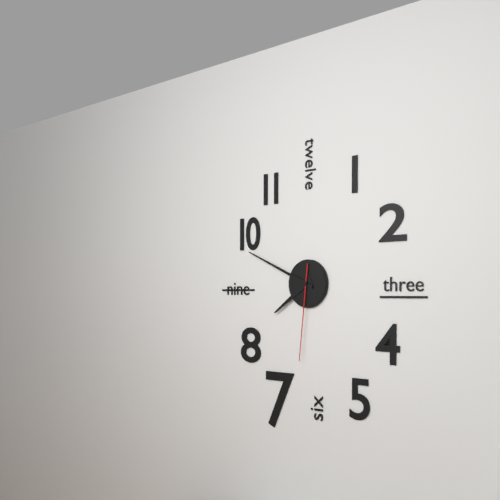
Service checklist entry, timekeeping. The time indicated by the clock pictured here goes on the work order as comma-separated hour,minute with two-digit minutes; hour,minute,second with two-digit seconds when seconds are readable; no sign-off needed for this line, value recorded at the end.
7,49,31
